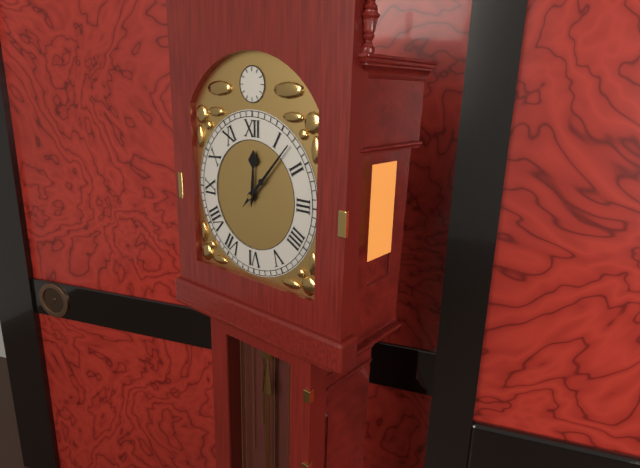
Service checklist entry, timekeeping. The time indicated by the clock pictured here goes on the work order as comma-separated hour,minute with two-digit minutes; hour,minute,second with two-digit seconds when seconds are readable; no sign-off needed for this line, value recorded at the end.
12,07
